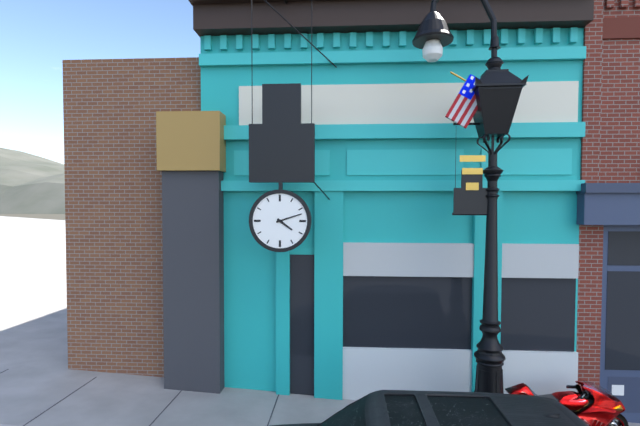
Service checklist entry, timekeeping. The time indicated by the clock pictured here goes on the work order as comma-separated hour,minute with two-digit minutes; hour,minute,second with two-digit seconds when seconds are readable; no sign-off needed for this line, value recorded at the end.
4,12
